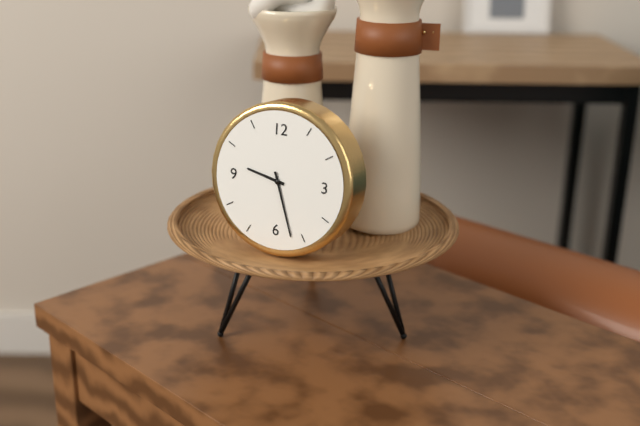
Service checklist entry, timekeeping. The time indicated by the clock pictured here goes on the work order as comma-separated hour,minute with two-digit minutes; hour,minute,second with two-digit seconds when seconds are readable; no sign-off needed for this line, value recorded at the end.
9,27
